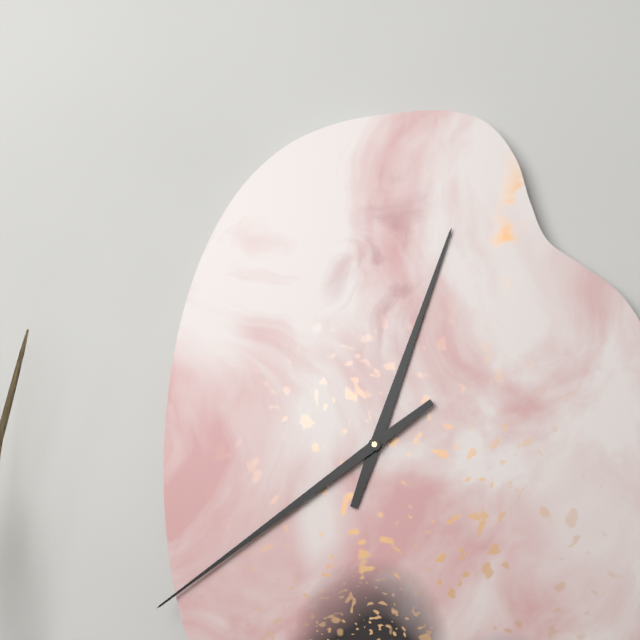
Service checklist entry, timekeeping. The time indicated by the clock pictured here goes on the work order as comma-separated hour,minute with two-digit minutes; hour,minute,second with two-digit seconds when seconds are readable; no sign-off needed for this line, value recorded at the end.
12,39
